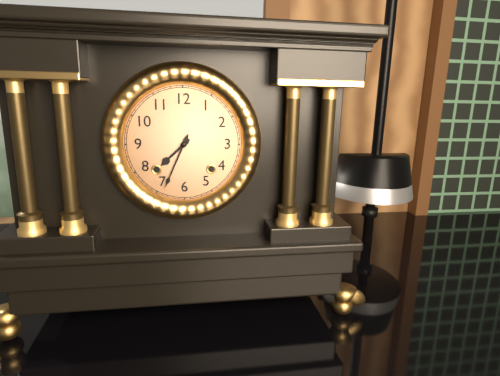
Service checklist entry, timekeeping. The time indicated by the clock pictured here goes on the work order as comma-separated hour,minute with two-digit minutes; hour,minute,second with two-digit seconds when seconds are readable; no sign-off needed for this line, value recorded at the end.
7,34
